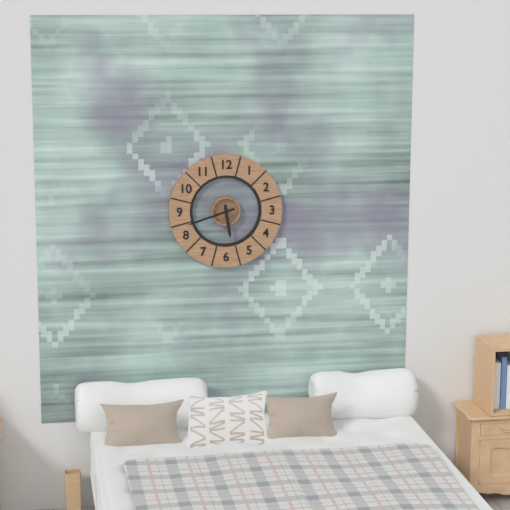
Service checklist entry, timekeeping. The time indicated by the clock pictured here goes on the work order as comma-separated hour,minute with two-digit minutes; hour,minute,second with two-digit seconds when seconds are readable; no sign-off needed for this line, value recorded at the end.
5,42
